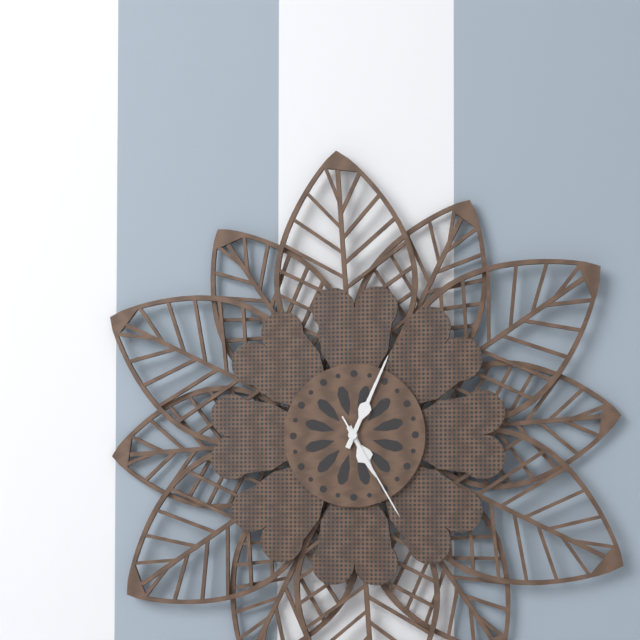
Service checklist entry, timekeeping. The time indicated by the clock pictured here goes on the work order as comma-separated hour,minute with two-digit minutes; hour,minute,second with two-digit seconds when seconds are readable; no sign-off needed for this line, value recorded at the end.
5,04,25
